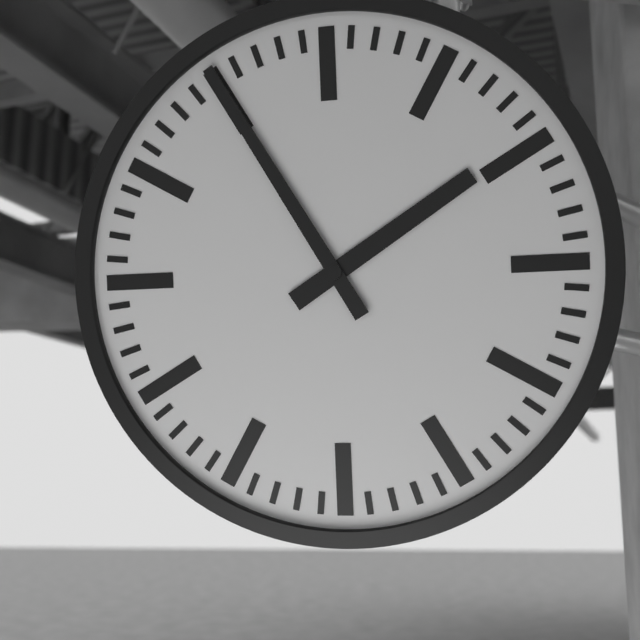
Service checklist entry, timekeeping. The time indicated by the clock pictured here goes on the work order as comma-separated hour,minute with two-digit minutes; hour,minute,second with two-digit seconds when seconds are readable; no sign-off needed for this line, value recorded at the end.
1,55
